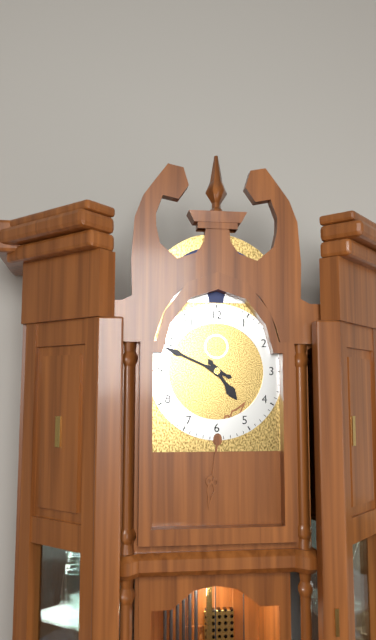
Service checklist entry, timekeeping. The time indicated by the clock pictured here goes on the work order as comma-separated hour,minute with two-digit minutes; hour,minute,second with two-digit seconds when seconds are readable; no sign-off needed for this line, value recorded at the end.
4,49
